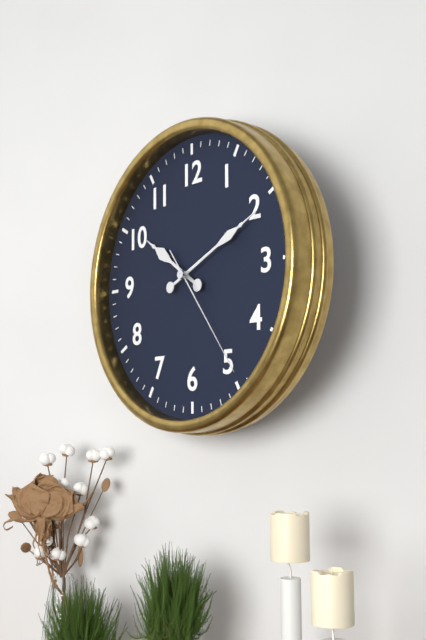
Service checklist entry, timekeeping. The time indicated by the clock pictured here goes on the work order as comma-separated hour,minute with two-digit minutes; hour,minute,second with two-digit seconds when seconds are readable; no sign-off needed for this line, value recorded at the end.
10,11,24
